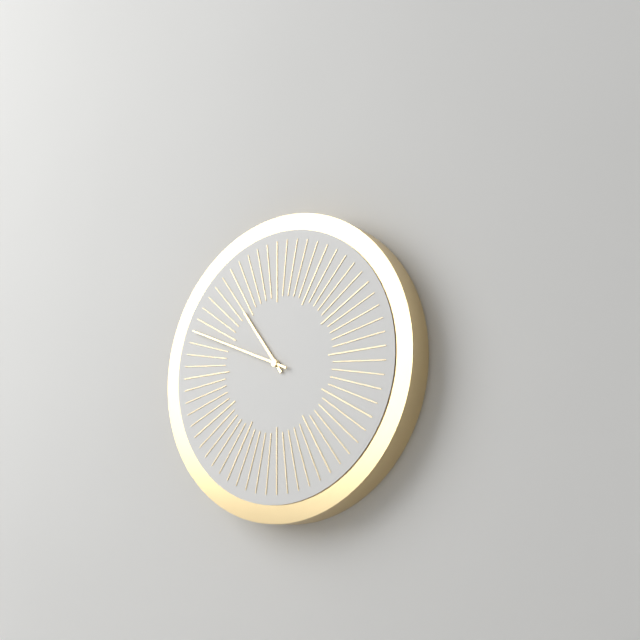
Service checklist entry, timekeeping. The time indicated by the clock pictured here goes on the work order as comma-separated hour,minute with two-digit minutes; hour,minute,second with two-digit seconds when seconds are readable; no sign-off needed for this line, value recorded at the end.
10,49
